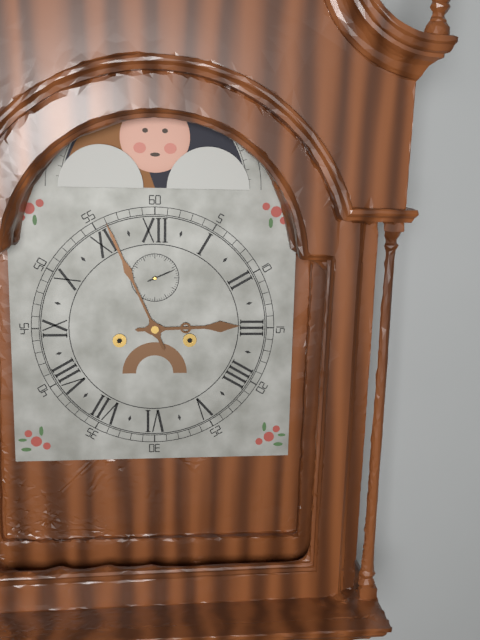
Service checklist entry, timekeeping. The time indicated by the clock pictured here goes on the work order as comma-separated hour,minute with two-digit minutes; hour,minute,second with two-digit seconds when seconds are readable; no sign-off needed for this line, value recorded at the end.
2,56
